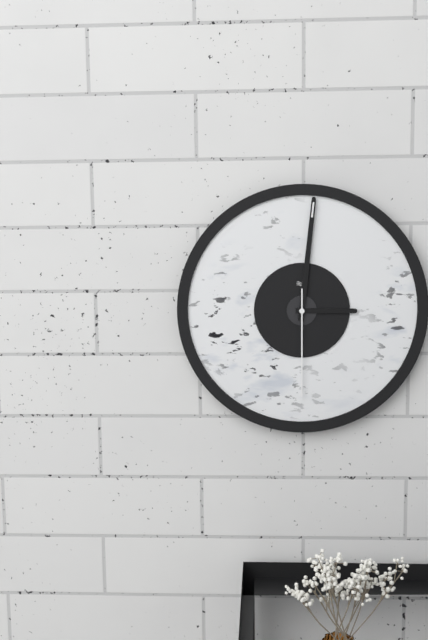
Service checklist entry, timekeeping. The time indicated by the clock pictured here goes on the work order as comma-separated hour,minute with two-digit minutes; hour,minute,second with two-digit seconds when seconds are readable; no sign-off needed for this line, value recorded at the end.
3,01,30
